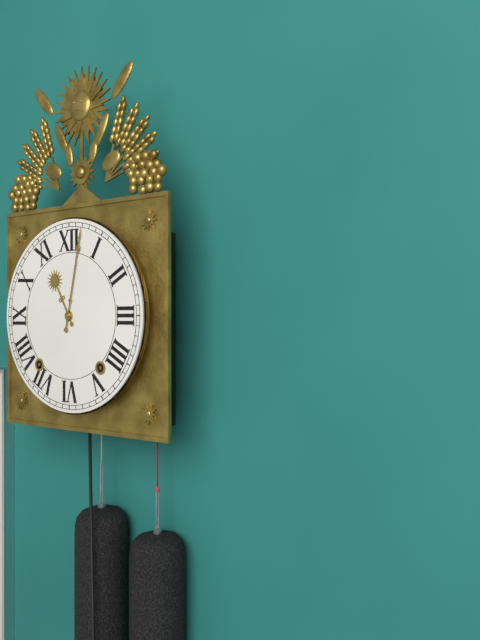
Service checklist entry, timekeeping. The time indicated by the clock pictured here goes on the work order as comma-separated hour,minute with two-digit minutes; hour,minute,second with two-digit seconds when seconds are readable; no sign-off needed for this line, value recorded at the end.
11,02
